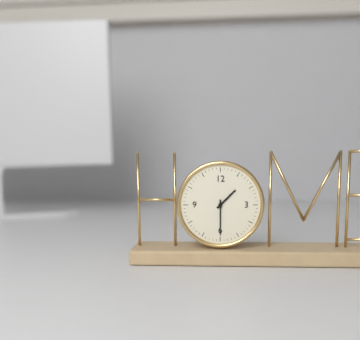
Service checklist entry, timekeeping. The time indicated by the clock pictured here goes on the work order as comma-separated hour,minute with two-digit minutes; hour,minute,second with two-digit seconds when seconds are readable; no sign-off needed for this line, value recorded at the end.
1,30
